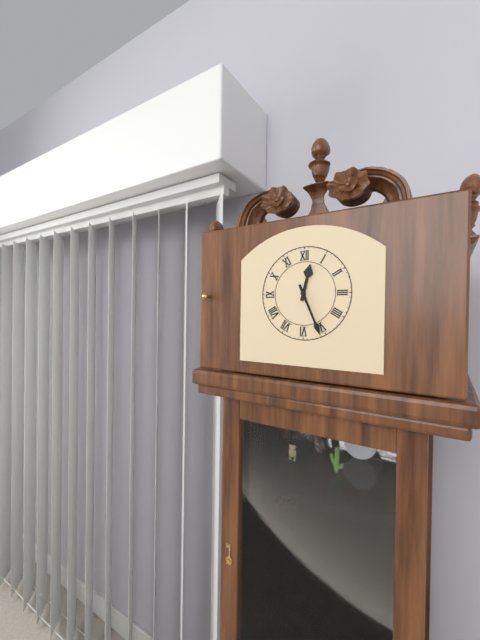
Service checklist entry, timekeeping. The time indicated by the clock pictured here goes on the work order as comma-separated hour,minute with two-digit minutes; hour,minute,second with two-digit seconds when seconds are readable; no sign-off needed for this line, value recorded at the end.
12,26
